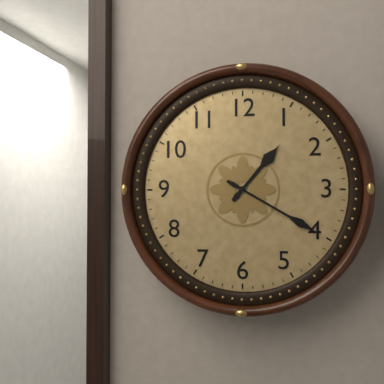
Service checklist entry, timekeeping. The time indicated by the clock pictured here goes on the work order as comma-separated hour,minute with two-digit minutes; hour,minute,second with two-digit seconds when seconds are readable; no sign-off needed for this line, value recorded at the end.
1,20
